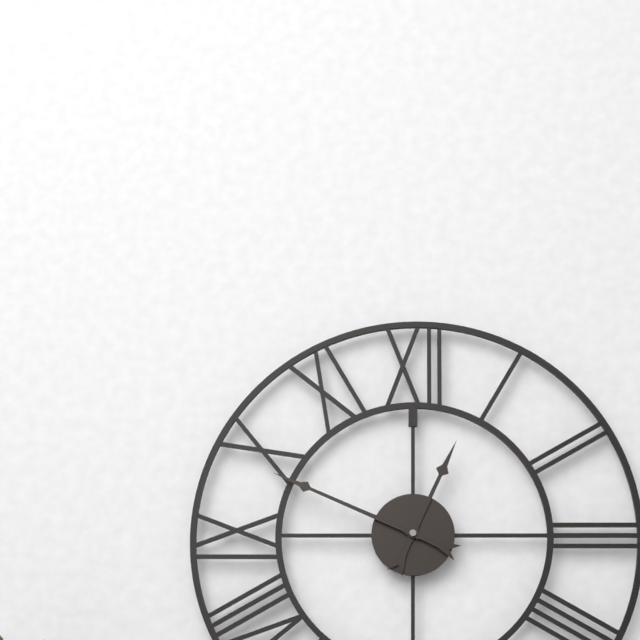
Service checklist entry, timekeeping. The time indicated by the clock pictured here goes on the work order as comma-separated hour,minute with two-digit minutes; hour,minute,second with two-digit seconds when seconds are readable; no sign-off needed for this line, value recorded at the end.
12,49
